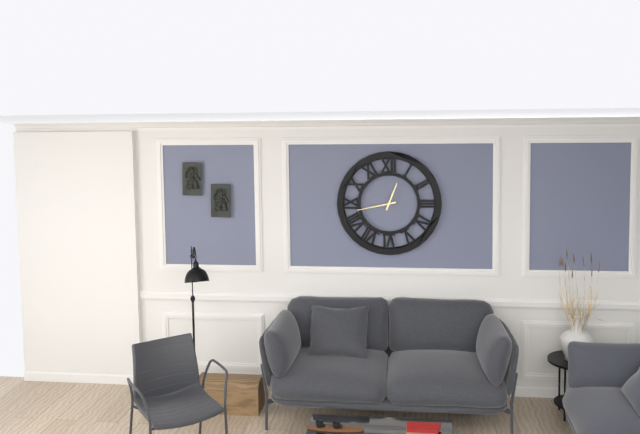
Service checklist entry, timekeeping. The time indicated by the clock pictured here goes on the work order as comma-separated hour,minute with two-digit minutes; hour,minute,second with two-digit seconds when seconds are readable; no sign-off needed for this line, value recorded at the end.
12,43
